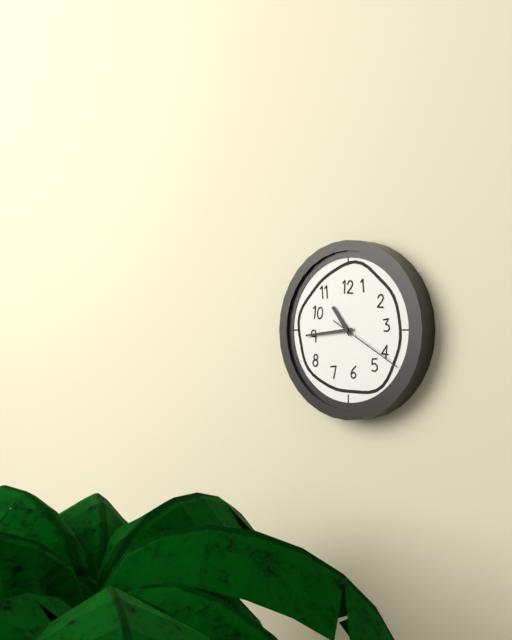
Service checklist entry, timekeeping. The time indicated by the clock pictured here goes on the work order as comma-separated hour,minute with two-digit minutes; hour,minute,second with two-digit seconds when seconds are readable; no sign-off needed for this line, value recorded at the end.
10,44,20
